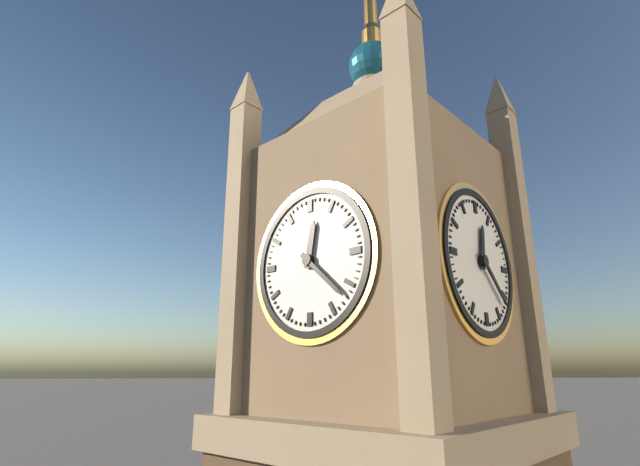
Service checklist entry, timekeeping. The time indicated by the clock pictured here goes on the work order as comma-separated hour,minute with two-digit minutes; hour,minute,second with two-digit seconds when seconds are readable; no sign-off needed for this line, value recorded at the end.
12,22
